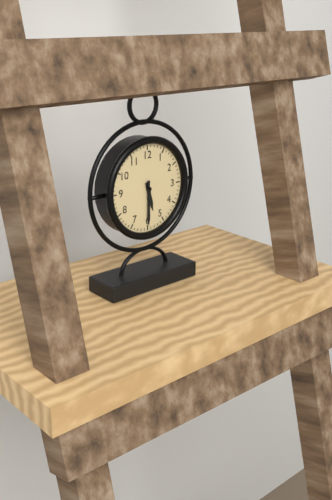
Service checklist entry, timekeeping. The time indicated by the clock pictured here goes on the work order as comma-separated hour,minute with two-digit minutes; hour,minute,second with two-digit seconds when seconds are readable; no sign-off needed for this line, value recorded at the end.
5,30
